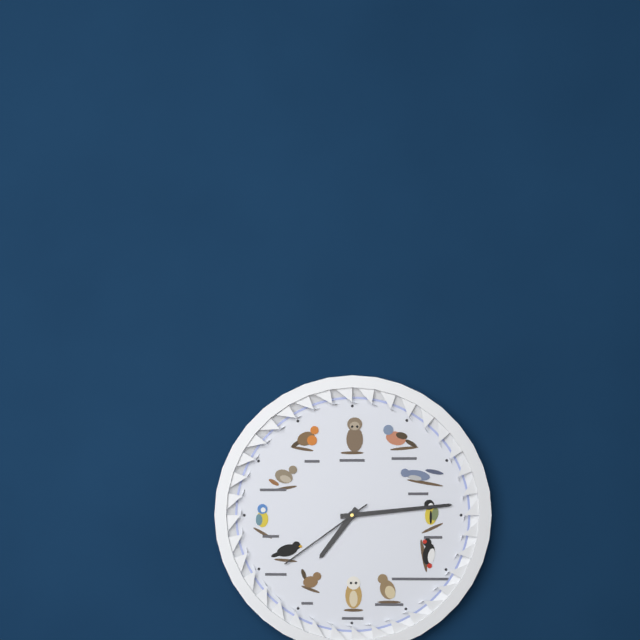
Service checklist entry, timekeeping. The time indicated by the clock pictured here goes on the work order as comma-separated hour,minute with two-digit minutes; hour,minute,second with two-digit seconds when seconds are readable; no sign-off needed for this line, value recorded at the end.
7,14,39
